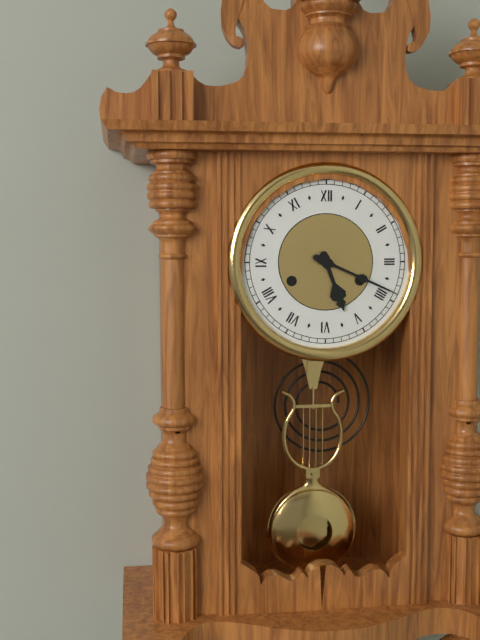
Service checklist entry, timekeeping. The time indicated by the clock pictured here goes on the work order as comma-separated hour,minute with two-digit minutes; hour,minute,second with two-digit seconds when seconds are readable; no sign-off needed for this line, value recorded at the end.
5,19
